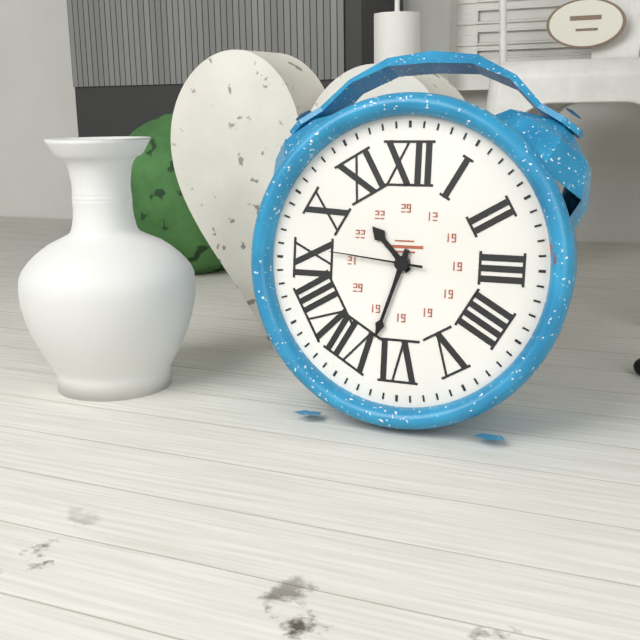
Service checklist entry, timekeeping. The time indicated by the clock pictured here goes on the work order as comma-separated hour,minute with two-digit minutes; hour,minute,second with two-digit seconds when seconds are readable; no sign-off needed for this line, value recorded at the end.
10,33,46
